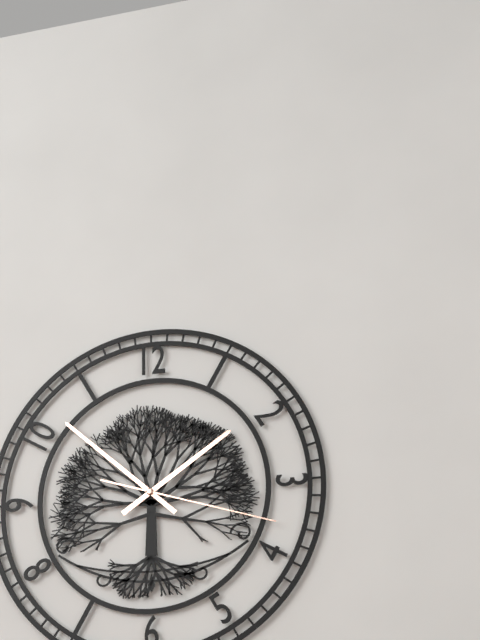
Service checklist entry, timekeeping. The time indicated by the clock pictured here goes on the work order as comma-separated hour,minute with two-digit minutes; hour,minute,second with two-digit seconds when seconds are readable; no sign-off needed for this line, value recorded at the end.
1,52,18
